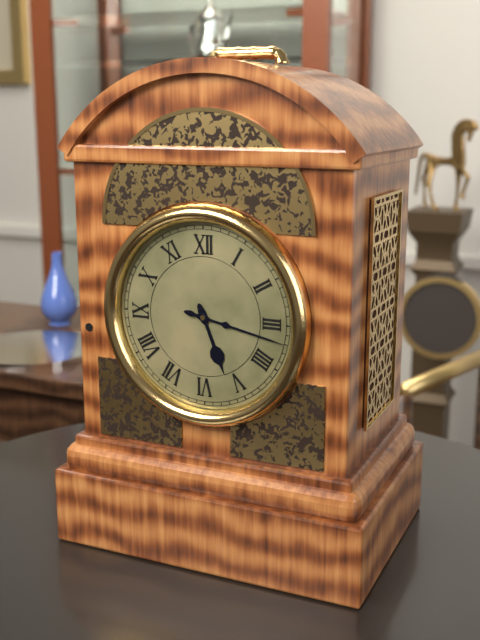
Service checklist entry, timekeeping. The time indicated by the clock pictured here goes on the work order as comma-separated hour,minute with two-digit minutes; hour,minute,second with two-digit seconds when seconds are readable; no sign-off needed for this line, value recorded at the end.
5,17
